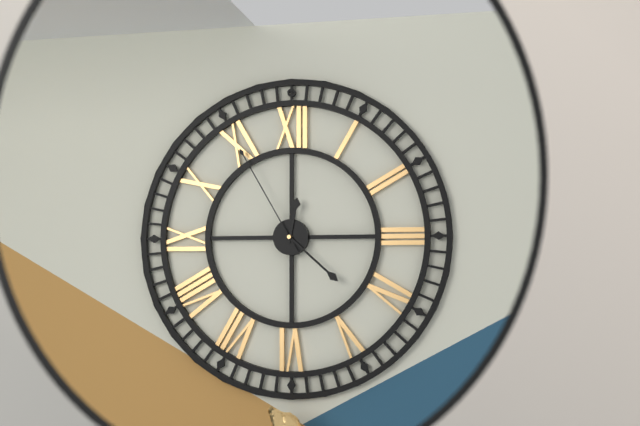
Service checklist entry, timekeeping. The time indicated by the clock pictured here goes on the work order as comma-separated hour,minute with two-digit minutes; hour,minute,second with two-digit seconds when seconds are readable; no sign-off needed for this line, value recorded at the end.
12,22,55
